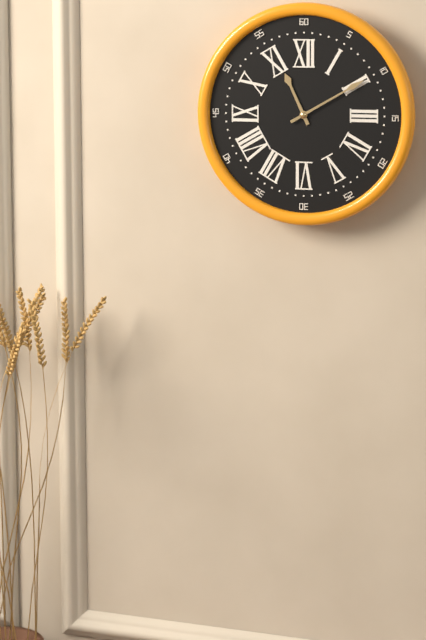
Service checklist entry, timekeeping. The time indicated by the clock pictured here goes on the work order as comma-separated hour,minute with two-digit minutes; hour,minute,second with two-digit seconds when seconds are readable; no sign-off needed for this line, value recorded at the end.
11,10
